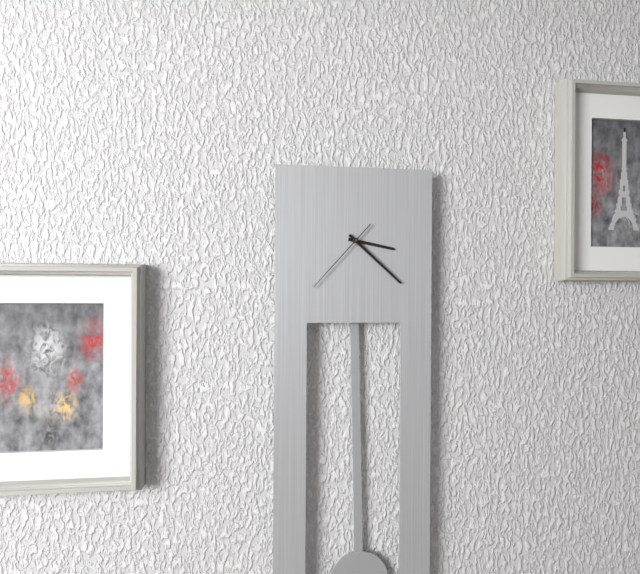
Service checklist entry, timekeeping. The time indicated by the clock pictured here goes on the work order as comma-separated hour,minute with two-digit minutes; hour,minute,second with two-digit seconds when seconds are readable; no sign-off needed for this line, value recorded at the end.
3,22,37
